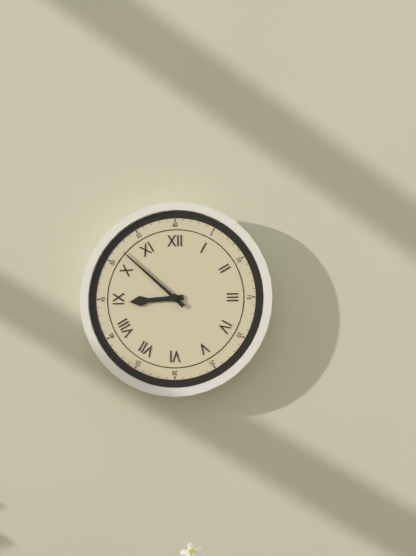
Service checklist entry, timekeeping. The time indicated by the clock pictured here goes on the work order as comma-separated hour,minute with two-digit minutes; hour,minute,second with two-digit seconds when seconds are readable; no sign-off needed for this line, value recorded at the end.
8,52
